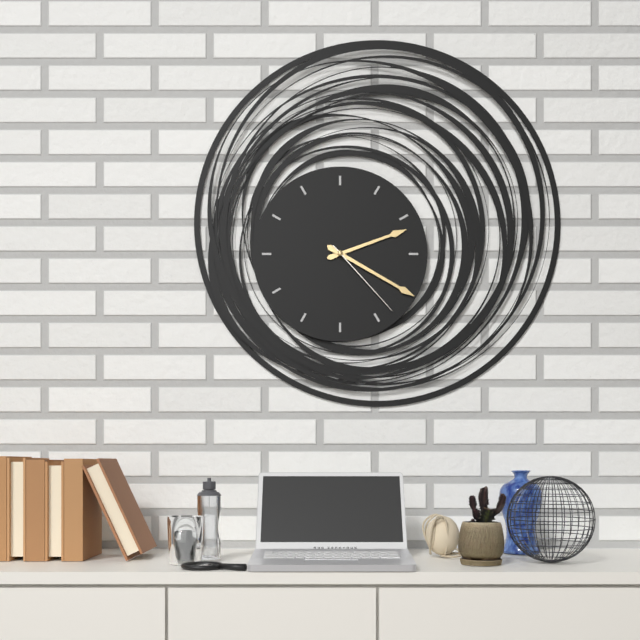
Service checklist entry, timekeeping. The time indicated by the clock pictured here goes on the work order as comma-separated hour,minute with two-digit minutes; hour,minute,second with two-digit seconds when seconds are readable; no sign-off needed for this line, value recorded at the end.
2,20,23
